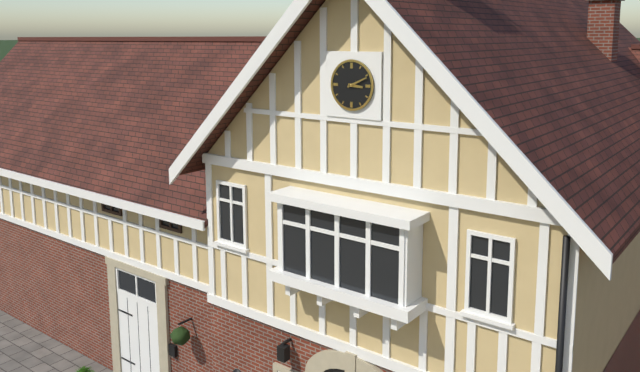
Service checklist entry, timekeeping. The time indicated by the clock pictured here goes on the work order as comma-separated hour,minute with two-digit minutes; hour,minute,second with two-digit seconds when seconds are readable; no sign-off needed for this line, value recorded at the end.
3,11
